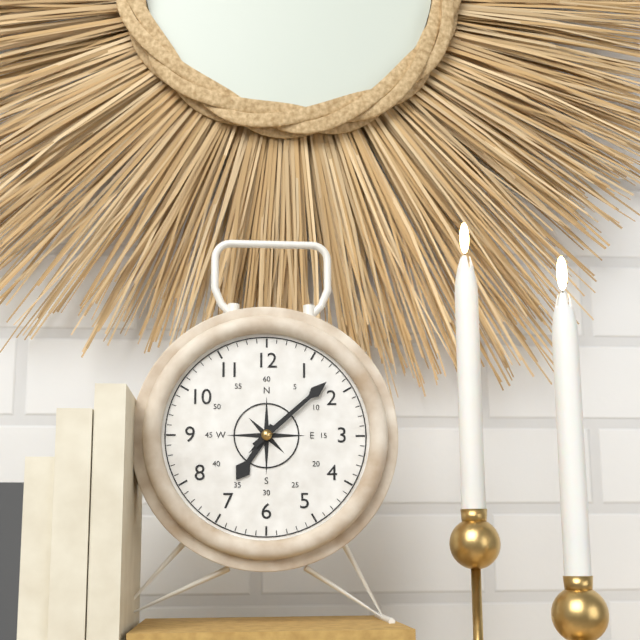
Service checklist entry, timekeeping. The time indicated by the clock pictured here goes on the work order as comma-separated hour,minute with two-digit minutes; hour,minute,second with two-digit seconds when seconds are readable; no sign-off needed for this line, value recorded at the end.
7,08
